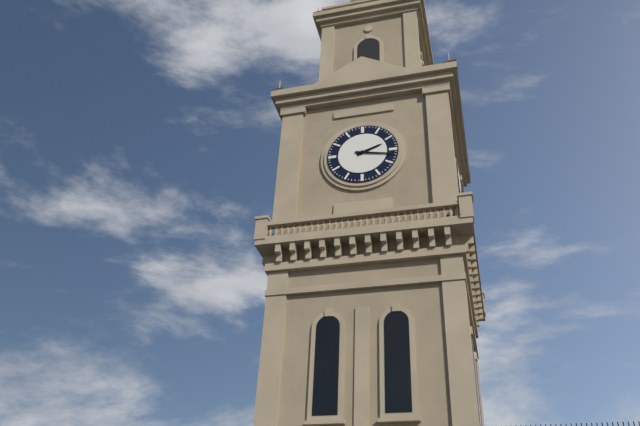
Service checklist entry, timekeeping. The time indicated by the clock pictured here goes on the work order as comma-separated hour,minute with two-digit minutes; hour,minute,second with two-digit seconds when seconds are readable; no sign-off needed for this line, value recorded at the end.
2,17
